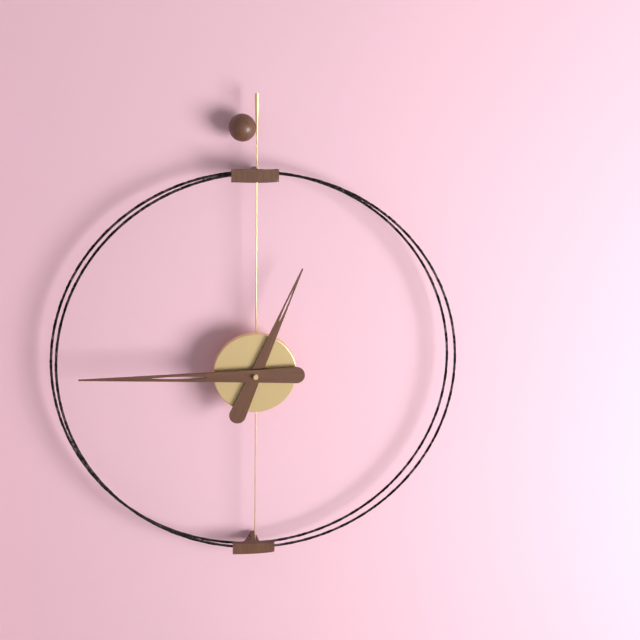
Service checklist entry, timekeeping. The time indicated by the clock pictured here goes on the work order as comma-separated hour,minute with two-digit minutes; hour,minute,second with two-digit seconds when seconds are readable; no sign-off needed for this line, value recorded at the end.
12,45
